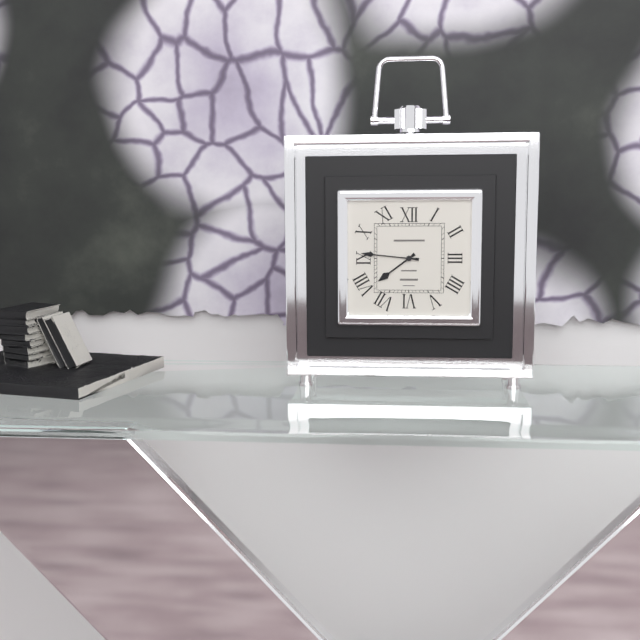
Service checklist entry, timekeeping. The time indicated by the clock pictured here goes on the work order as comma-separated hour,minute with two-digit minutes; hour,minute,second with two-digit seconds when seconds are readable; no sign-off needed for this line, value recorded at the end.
7,46
